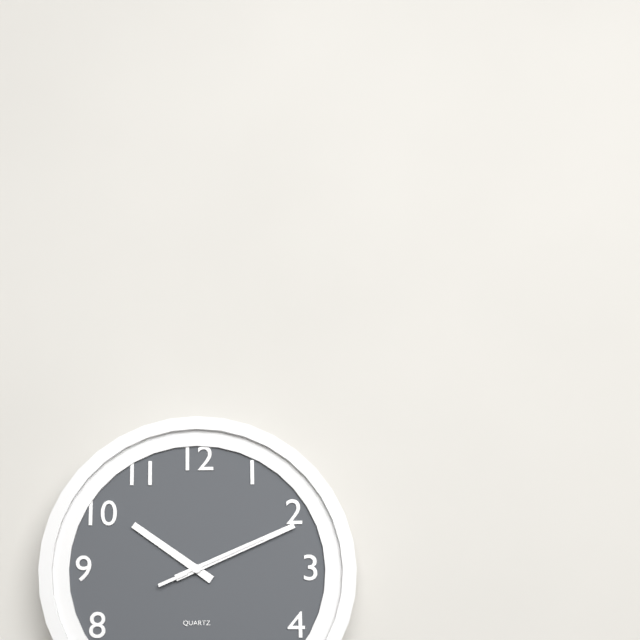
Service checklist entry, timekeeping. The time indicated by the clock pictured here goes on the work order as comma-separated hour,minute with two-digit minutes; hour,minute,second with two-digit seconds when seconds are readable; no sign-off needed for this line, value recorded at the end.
10,11,11
